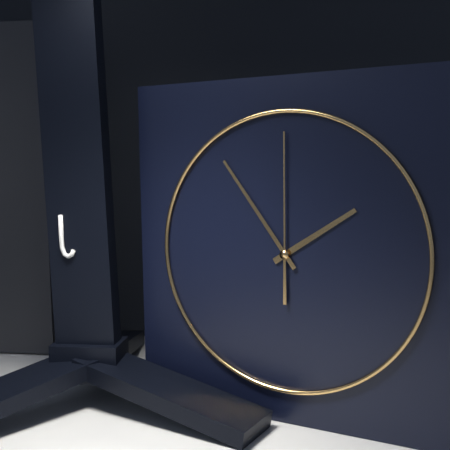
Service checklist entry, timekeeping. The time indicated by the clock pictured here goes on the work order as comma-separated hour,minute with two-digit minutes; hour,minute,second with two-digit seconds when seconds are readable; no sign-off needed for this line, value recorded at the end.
1,54,00
